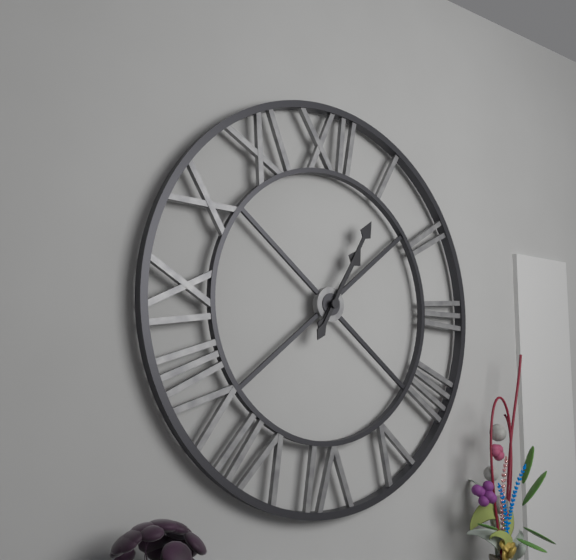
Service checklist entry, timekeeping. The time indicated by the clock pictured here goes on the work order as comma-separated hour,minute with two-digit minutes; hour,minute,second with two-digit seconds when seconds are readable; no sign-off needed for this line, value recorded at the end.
1,05
